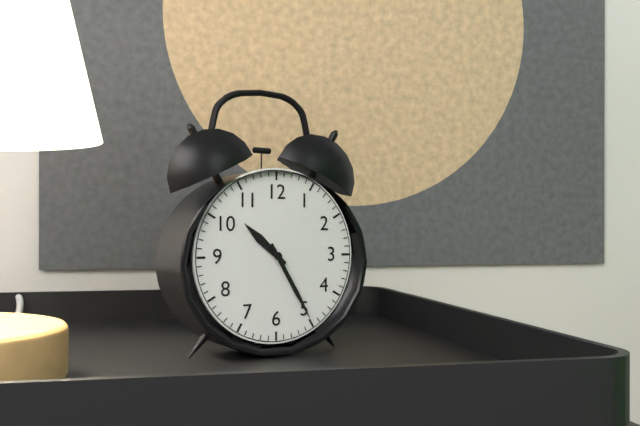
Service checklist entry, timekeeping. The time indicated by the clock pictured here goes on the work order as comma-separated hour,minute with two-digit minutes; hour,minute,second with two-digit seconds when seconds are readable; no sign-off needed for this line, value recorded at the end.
10,25
